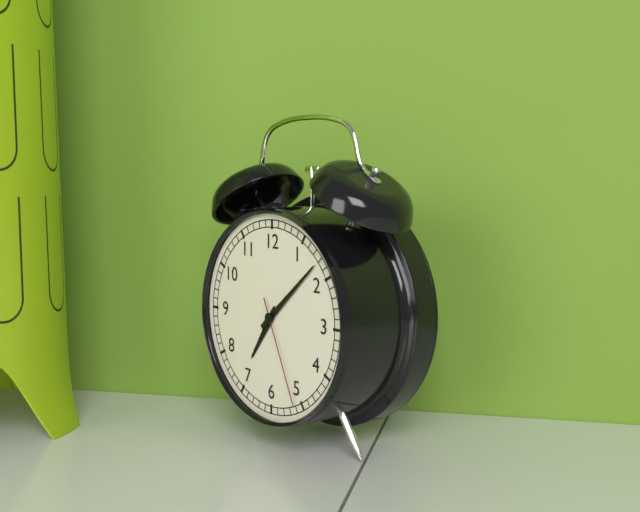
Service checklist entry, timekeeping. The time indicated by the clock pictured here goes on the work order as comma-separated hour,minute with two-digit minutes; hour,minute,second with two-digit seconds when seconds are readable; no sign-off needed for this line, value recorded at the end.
7,08,26
